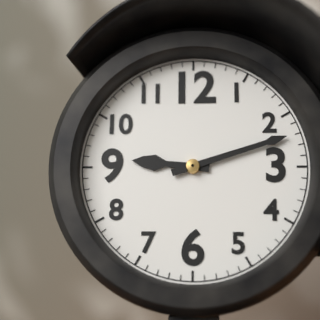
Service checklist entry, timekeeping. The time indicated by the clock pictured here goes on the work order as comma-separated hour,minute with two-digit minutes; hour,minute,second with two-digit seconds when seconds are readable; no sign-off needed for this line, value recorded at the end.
9,12
